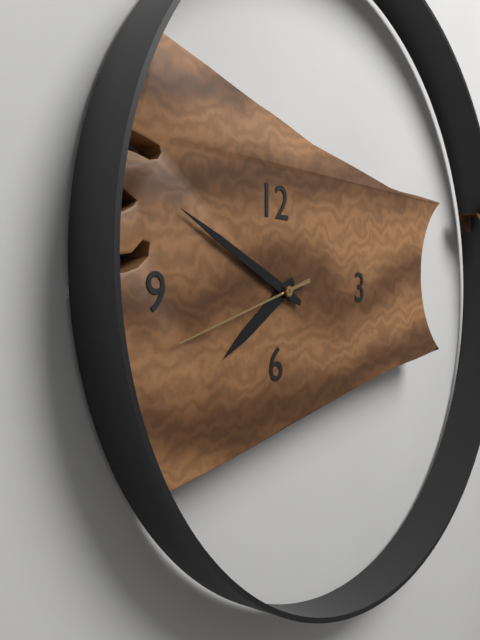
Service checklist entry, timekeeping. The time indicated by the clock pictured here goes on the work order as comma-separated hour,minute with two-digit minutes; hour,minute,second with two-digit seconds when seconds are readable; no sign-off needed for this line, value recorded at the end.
7,49,42
